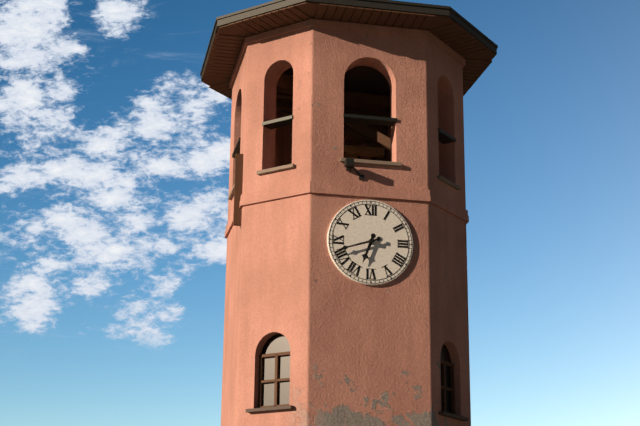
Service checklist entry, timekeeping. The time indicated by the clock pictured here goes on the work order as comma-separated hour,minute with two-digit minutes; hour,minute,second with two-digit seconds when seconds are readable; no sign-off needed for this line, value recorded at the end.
6,42
